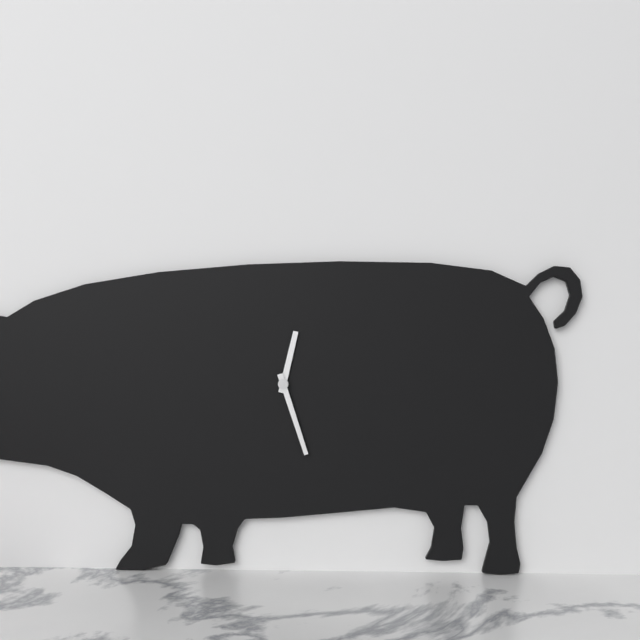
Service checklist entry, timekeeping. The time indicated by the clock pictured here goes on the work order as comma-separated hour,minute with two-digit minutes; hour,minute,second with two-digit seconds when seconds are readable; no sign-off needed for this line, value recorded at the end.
12,27
